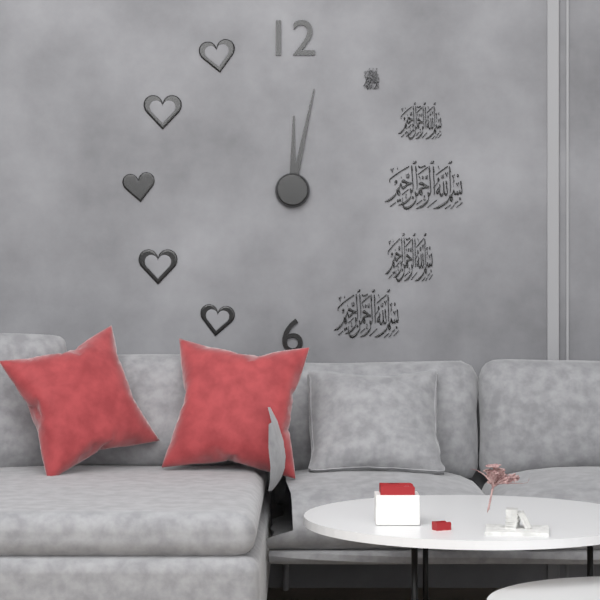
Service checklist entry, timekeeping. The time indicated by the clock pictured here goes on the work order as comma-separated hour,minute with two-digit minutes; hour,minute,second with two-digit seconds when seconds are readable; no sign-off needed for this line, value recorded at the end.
12,02
